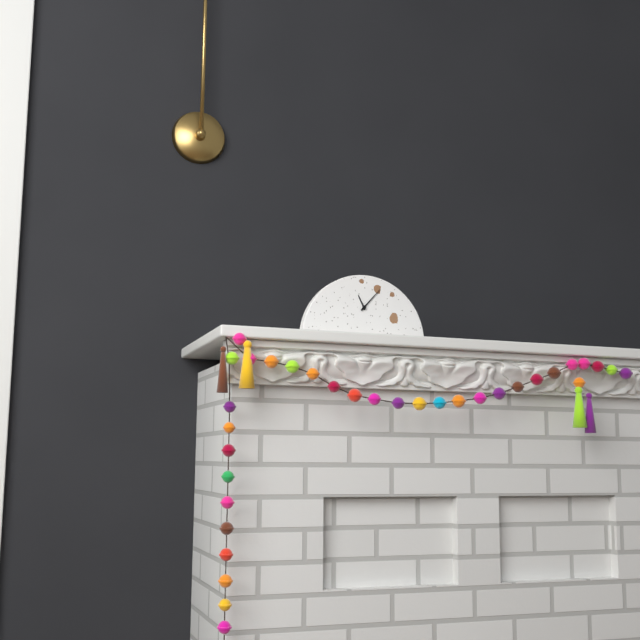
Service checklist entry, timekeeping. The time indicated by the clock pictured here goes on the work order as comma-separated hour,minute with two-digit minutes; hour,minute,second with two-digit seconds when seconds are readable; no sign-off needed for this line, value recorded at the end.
11,07
